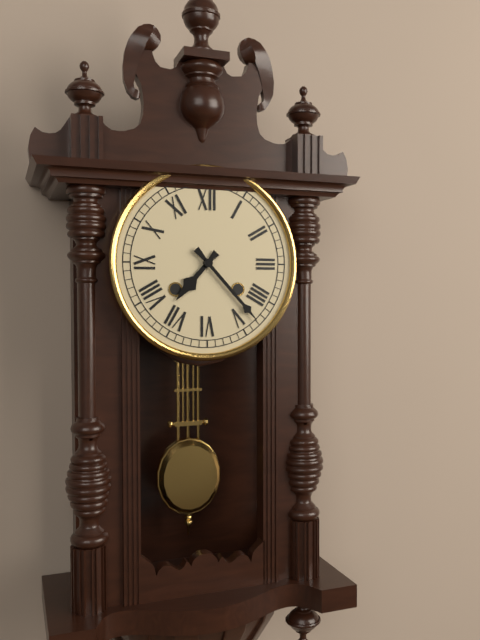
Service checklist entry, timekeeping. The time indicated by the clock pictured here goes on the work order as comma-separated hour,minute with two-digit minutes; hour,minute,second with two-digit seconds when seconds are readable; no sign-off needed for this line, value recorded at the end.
7,23
